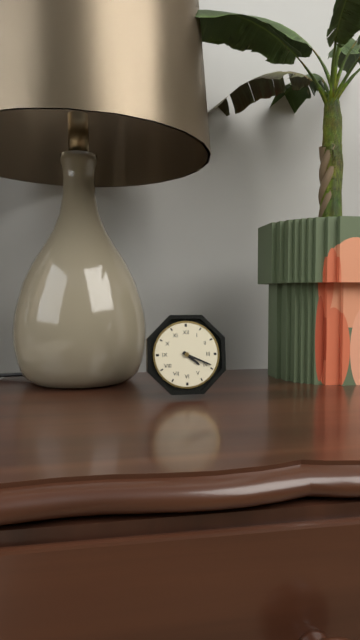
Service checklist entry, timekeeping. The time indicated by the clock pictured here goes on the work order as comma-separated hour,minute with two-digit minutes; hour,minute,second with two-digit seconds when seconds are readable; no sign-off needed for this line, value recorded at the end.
4,19
